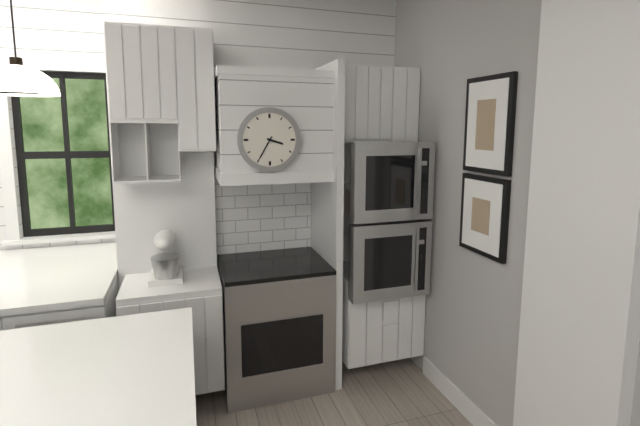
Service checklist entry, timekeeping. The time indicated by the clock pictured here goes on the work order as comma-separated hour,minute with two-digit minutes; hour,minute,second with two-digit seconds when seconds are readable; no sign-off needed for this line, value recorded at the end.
3,35
